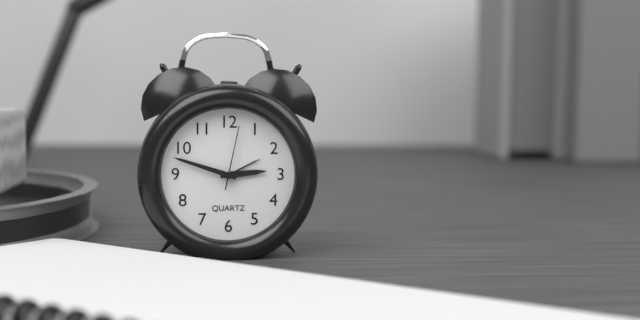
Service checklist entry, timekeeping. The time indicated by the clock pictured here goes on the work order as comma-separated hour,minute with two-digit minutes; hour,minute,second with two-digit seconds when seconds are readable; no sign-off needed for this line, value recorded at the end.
2,48,02
